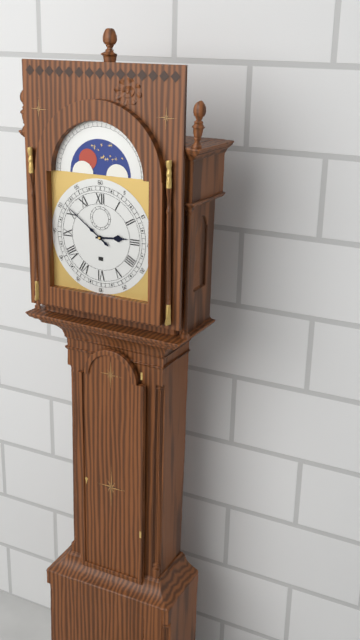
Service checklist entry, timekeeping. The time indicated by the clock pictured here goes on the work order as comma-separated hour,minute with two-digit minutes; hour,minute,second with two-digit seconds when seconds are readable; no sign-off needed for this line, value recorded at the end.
2,51
